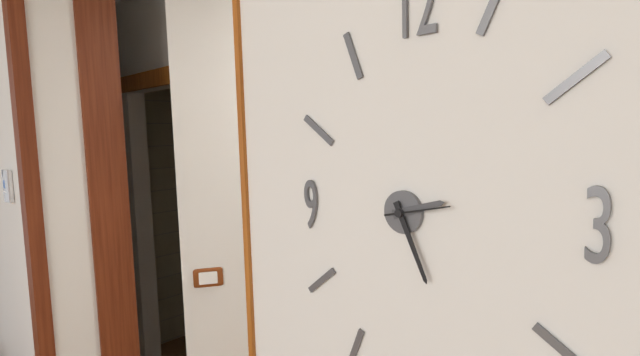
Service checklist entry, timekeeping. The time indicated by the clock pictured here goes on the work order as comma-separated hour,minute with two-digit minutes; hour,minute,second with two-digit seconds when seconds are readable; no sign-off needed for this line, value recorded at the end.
2,26,13
